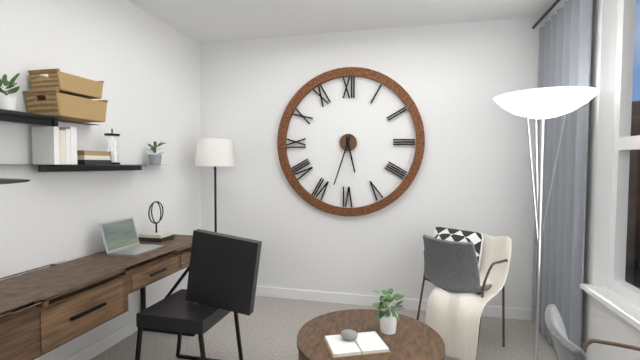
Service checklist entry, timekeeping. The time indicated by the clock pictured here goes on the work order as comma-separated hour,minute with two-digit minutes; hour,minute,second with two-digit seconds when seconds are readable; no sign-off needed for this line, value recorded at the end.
5,33
